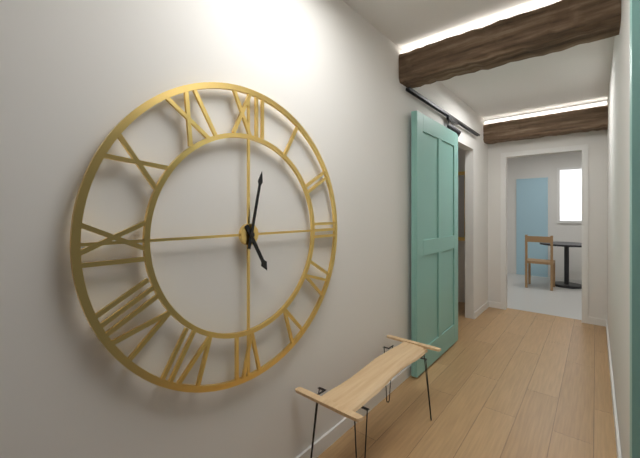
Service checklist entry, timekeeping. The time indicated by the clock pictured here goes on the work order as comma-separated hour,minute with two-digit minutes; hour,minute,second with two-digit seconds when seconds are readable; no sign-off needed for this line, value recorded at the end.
5,02
